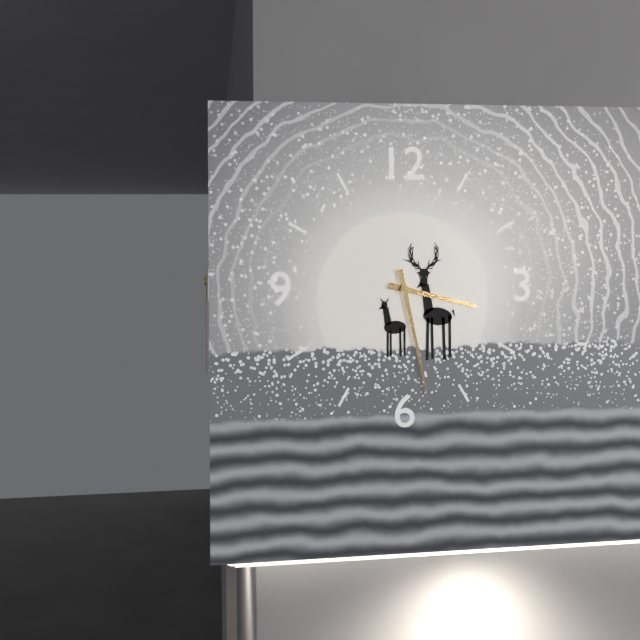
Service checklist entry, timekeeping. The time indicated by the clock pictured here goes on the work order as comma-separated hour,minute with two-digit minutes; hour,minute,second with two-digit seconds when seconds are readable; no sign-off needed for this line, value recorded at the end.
3,28
